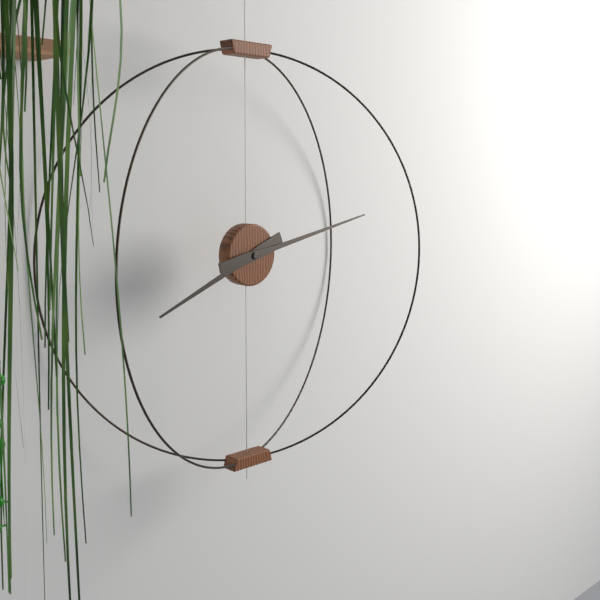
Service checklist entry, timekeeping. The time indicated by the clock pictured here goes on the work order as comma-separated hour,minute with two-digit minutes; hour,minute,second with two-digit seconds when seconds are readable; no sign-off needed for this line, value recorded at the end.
8,13
